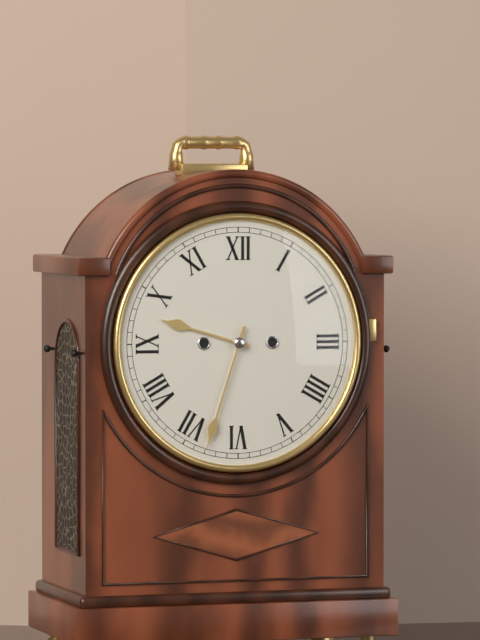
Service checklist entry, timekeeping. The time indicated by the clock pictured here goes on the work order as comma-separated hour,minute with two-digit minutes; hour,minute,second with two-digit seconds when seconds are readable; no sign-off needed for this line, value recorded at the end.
9,33
